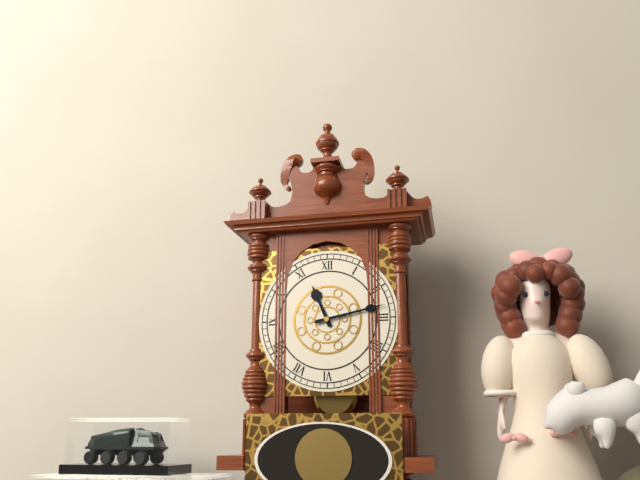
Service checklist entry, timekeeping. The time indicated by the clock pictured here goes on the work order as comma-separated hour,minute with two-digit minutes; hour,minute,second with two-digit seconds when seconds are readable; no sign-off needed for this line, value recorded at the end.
11,13
